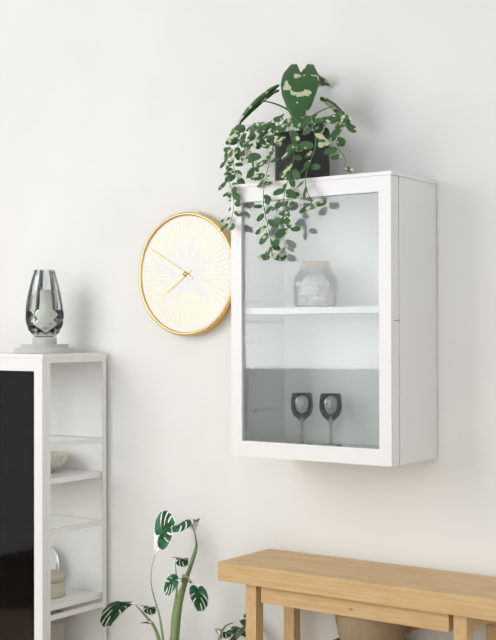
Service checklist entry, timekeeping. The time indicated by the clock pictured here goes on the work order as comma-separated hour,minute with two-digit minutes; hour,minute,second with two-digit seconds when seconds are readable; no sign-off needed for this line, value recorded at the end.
7,50
